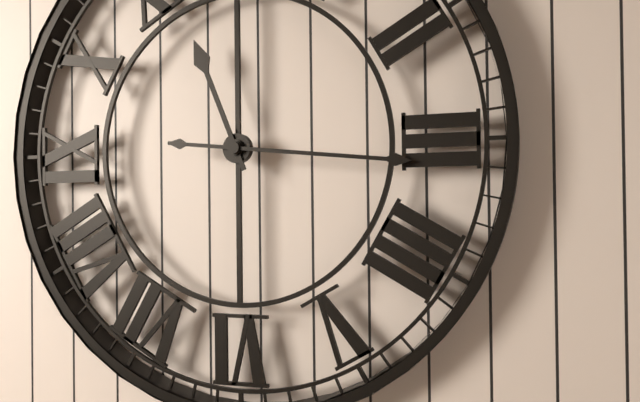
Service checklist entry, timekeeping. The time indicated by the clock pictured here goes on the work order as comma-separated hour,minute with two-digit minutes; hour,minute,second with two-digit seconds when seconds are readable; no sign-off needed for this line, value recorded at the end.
11,16
